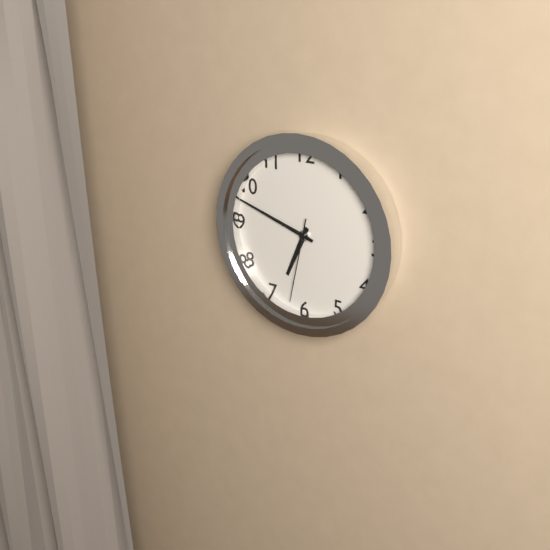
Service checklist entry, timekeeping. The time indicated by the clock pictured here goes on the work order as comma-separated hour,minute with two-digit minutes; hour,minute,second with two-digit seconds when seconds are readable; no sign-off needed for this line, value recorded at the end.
6,48,32
